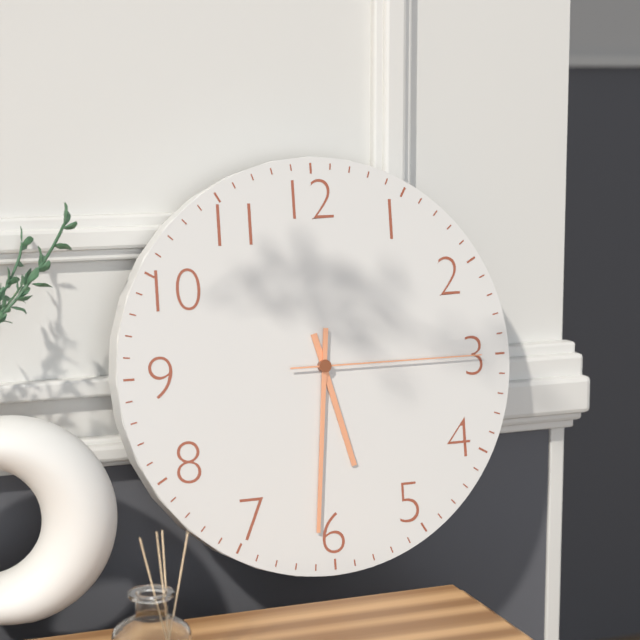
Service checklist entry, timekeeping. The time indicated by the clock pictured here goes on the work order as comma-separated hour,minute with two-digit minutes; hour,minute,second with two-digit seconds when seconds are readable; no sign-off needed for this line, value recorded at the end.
5,31,15
